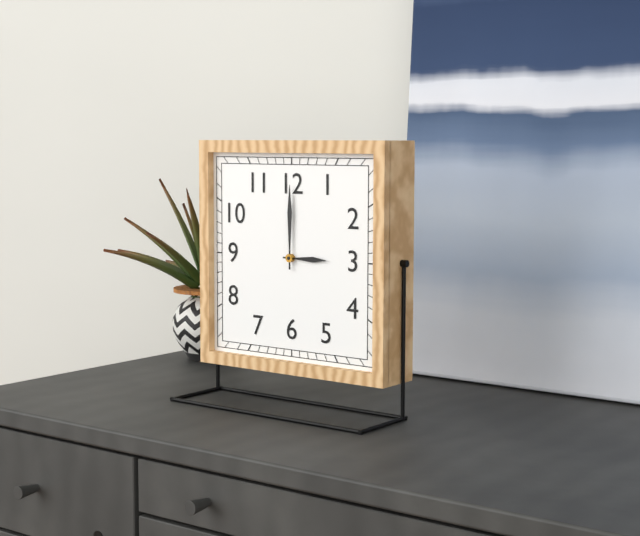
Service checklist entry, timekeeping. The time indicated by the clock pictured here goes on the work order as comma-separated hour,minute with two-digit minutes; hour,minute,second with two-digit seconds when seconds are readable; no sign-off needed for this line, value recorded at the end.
3,00
